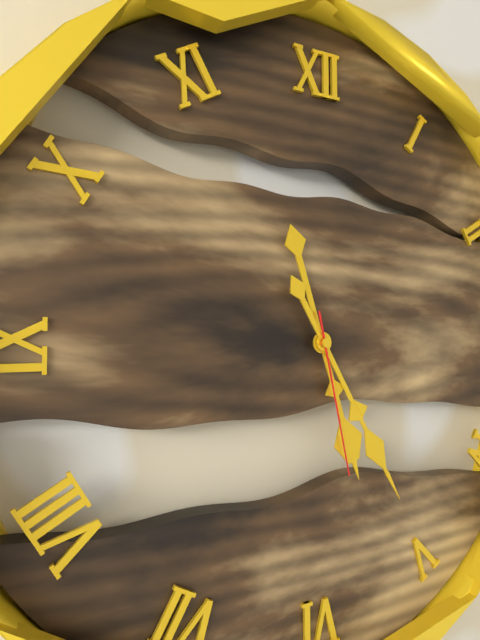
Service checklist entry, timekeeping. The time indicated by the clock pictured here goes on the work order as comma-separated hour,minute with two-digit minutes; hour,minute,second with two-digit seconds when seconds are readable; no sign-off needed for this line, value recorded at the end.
5,25,28
